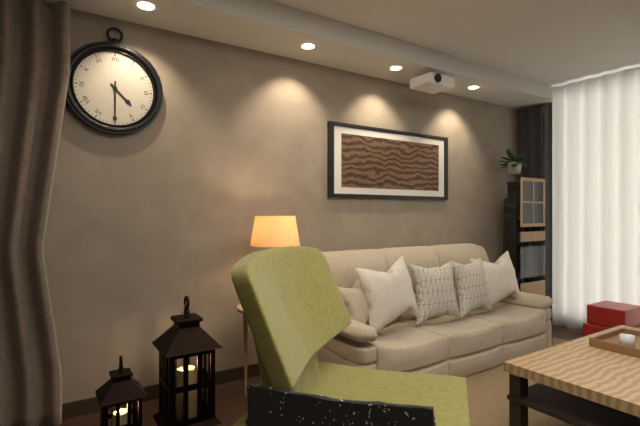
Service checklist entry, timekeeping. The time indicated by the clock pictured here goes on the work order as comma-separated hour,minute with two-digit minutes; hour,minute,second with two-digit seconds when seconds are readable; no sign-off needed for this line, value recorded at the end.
4,30
